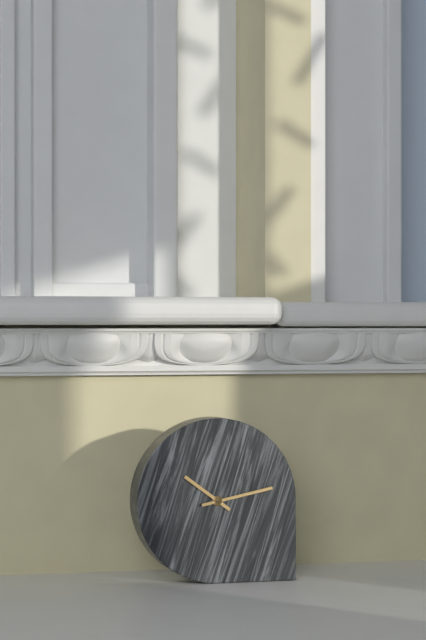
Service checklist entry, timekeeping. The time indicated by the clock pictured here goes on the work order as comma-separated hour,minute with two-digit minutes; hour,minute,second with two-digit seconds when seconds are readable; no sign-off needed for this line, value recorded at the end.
10,13
